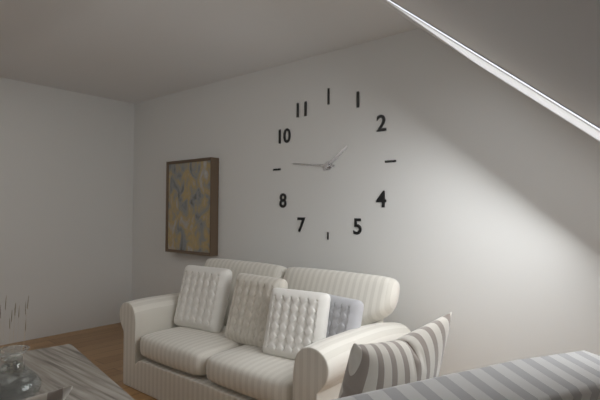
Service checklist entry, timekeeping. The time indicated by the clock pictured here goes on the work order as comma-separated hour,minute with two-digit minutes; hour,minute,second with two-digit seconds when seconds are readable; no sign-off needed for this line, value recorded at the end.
1,46
